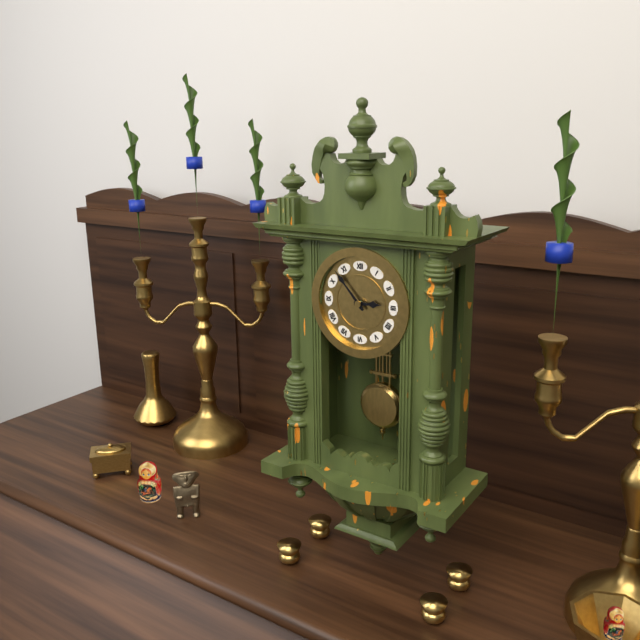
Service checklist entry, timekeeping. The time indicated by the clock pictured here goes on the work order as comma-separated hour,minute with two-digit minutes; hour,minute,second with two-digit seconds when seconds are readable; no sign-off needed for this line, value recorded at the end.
2,53
